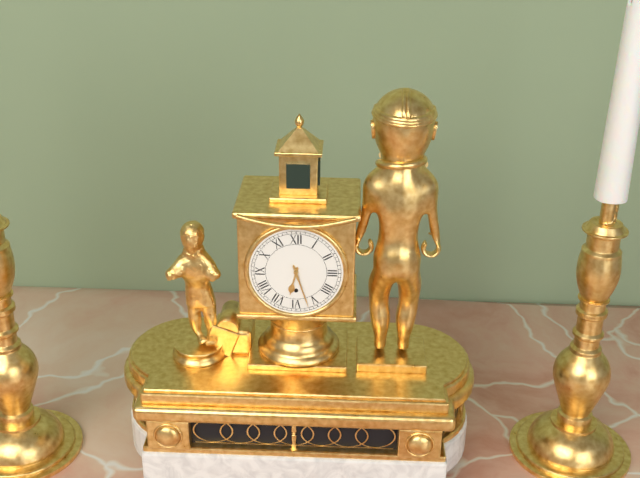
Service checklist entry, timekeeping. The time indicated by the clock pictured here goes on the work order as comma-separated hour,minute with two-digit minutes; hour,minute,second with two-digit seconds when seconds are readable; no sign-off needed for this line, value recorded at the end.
6,27
